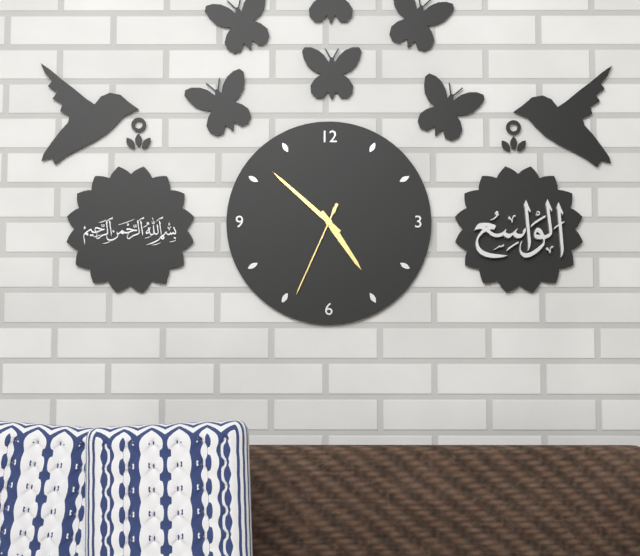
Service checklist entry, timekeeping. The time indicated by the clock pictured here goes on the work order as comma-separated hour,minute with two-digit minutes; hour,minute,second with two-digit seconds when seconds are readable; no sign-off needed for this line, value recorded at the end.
4,52,34
